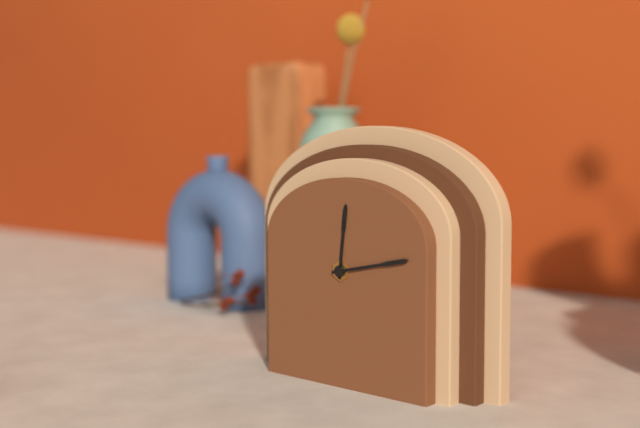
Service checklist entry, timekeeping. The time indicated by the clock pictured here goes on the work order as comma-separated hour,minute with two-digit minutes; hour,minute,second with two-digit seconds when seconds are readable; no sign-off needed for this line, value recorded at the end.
12,13
